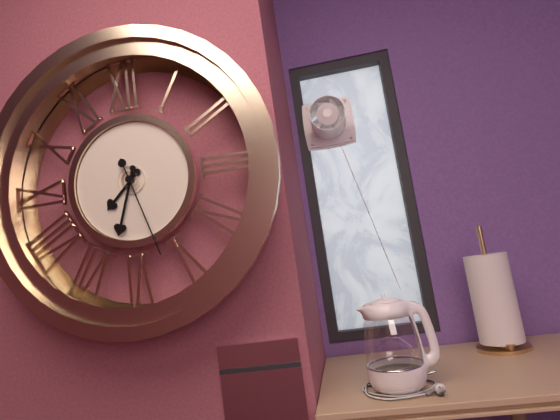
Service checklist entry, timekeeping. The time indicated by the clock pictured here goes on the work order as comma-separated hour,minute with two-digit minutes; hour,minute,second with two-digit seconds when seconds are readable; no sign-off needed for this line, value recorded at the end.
7,33,27
